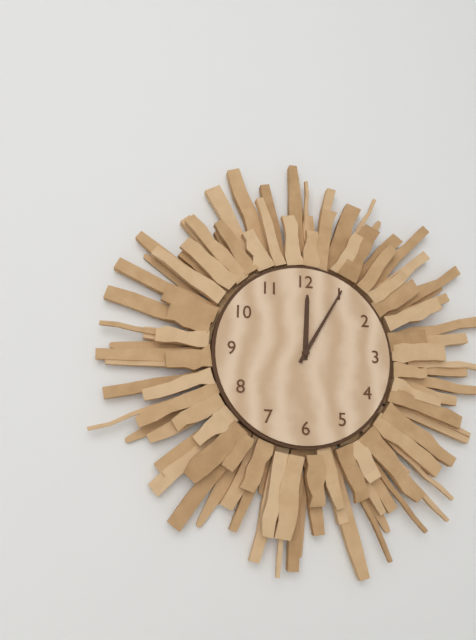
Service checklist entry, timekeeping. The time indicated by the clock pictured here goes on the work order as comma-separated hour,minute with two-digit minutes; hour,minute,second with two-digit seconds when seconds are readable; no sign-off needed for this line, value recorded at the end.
12,05
